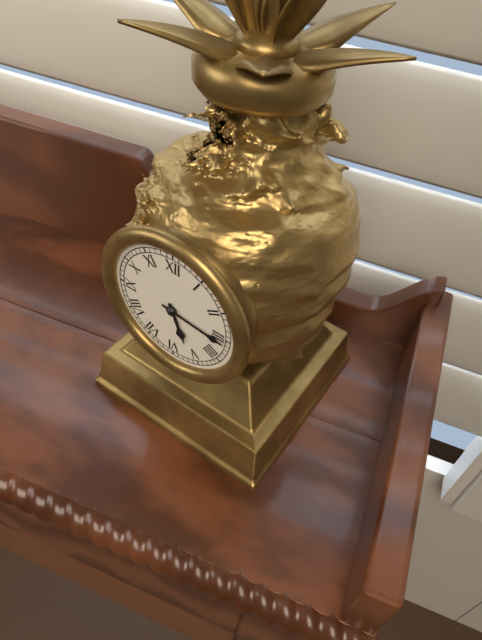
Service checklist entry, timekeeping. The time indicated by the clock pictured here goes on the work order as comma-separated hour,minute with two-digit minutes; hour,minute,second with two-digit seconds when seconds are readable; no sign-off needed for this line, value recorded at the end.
5,16
